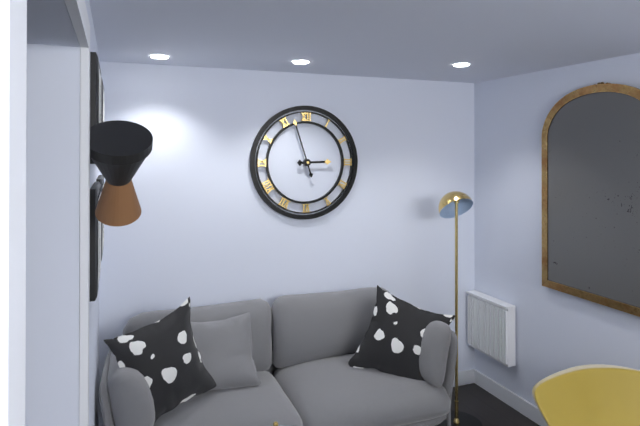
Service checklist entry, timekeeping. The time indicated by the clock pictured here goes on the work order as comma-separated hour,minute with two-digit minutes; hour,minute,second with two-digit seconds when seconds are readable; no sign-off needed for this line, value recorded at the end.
2,57
